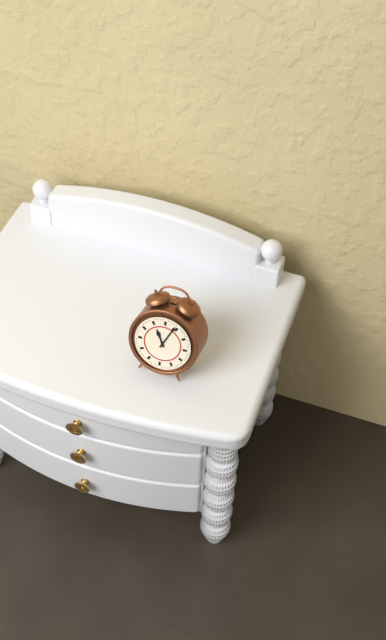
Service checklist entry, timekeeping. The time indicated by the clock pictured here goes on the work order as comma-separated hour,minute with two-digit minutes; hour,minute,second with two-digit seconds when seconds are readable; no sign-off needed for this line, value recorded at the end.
11,04
